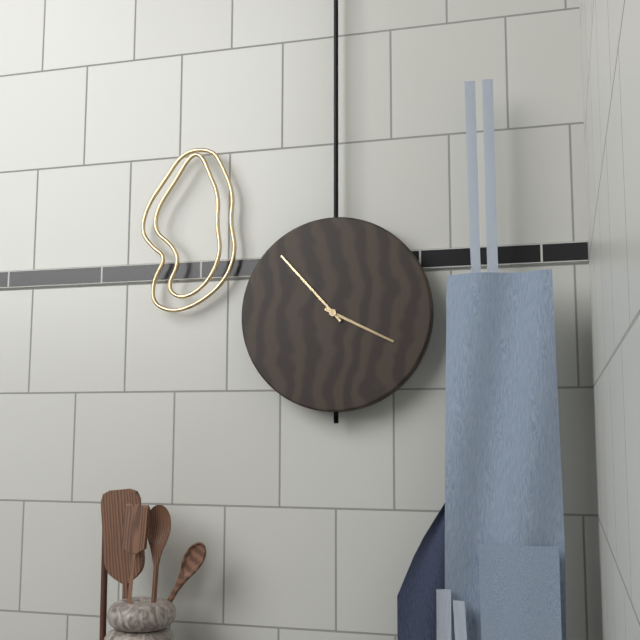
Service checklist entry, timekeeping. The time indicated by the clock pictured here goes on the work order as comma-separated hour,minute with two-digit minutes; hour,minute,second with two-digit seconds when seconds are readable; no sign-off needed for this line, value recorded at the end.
3,53
